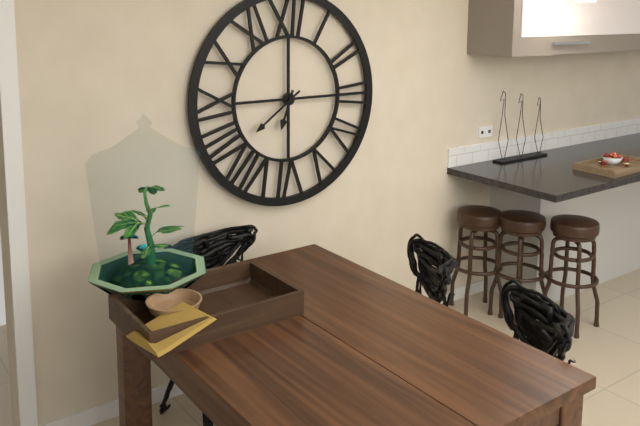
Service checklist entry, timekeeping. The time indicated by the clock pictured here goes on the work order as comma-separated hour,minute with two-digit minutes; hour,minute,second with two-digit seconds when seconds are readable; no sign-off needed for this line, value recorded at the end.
6,39
